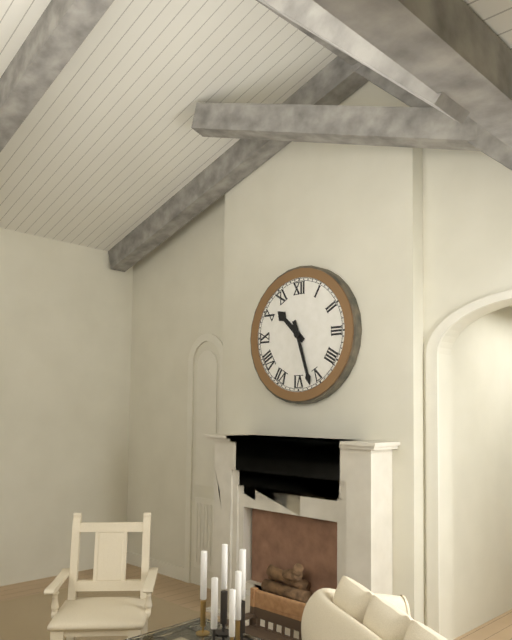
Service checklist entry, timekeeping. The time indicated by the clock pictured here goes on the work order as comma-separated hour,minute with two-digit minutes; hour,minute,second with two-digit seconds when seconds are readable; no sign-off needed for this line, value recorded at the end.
10,27
